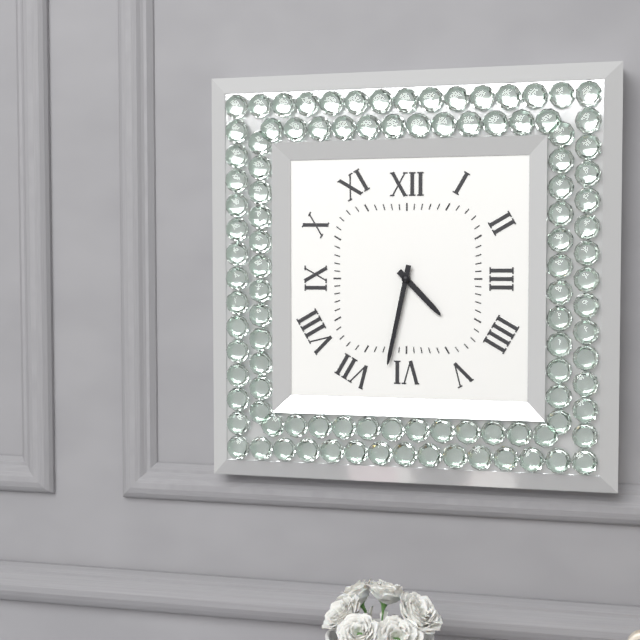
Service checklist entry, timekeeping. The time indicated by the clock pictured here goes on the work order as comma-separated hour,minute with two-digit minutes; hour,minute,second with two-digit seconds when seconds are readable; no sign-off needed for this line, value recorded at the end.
4,32
